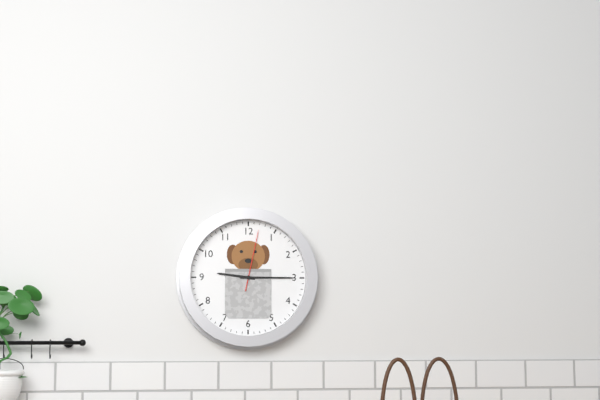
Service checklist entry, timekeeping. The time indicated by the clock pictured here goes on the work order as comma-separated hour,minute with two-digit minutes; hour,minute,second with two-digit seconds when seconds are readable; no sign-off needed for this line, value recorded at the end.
9,15,02
